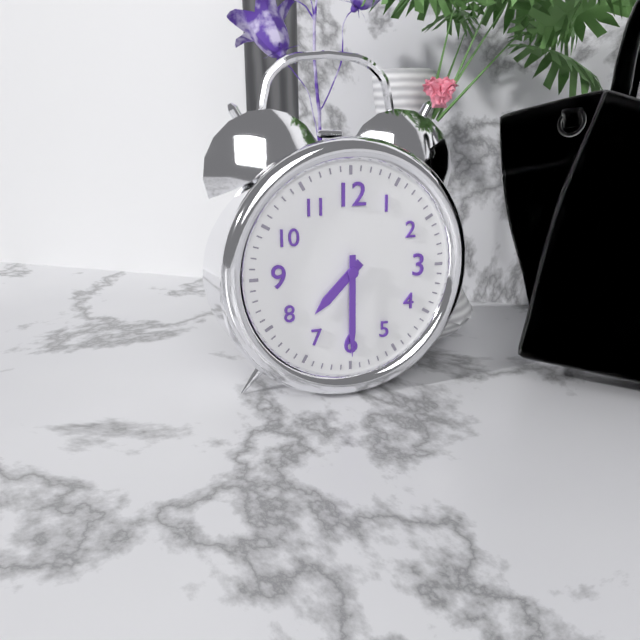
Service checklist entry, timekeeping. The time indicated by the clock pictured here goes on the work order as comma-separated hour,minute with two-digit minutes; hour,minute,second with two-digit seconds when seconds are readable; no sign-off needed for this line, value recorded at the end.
7,30
